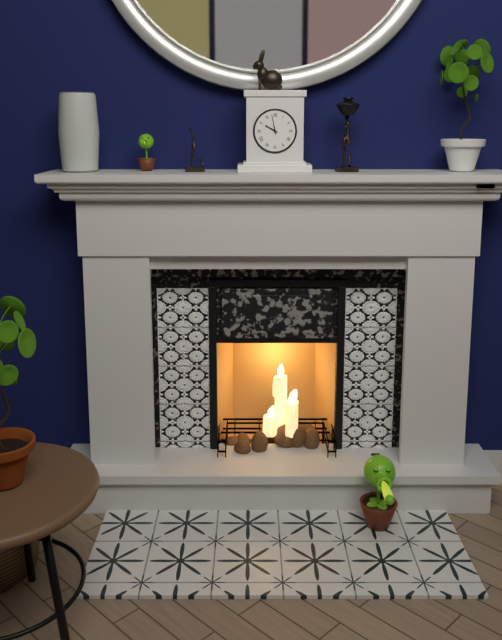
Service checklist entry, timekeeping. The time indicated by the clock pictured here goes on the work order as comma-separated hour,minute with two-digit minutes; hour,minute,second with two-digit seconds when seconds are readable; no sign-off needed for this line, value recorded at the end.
9,58
